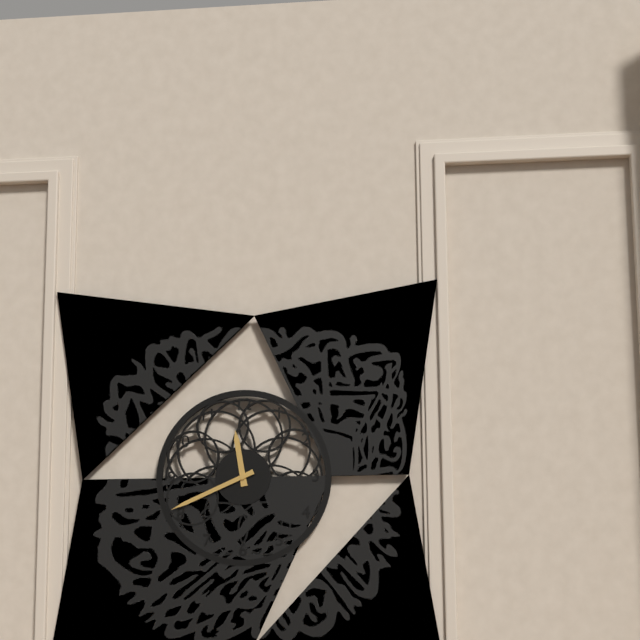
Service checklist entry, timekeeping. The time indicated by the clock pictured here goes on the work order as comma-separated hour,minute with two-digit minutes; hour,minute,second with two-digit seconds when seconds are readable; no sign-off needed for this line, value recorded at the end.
11,41
